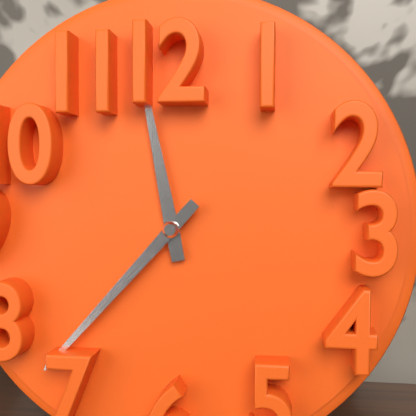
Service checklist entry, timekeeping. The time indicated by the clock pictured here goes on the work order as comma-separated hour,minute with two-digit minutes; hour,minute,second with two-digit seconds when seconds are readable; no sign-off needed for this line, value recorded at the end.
11,37
